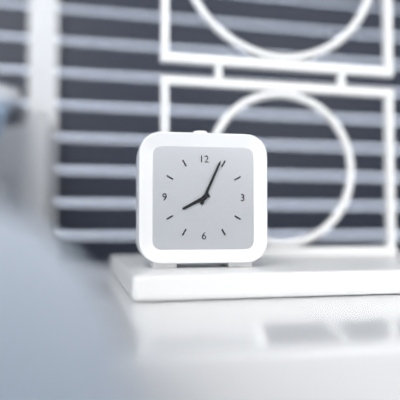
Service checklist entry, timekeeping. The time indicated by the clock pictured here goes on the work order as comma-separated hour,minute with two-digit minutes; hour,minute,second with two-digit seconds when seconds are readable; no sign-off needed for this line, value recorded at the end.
8,04
